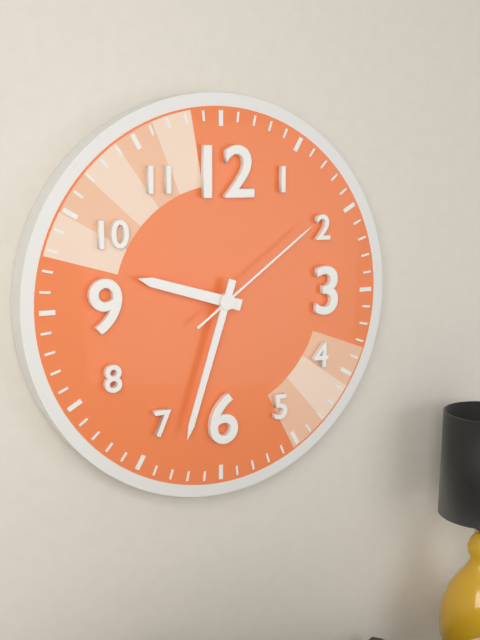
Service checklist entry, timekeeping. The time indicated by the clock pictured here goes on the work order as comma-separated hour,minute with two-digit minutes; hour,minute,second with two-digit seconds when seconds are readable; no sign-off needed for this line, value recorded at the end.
9,33,09
